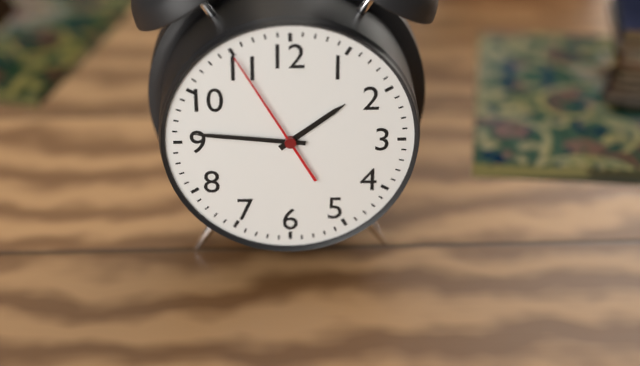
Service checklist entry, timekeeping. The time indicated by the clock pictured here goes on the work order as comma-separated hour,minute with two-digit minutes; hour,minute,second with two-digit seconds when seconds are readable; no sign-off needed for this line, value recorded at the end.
1,46,55
